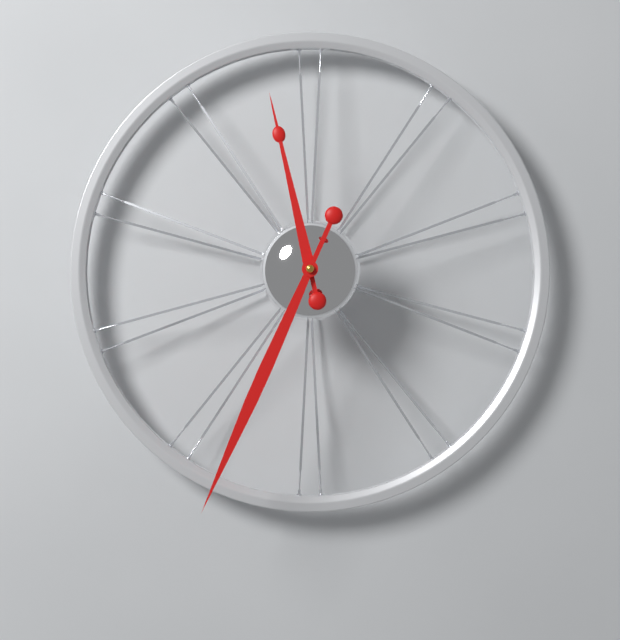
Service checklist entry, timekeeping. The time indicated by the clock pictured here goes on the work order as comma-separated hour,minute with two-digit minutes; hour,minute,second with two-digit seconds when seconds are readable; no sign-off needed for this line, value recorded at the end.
11,34
